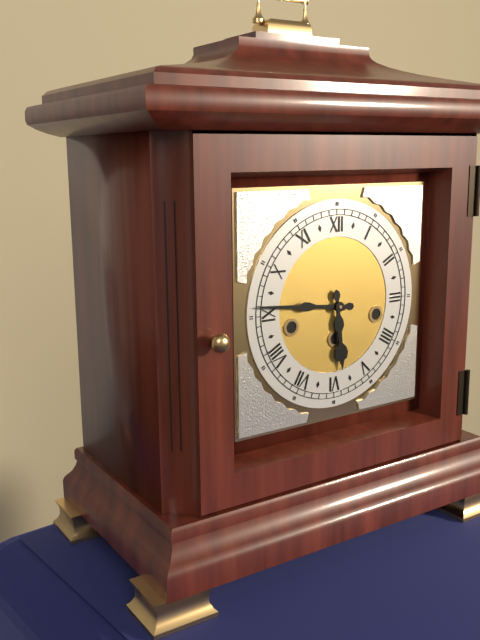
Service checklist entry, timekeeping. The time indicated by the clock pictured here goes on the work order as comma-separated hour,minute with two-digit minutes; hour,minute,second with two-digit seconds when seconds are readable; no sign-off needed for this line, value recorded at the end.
5,46
